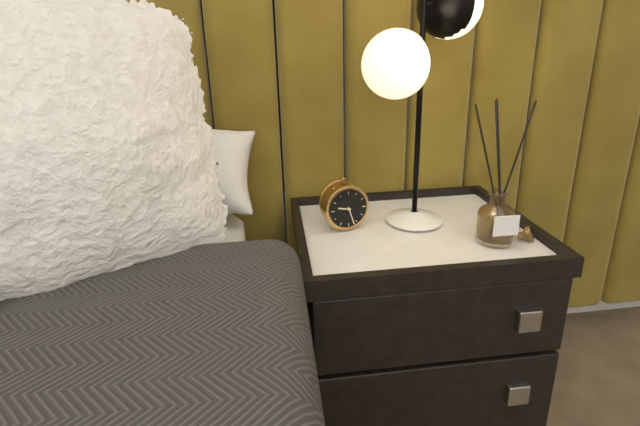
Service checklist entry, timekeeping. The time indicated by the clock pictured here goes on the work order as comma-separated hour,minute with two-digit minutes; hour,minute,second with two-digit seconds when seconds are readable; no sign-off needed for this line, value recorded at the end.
9,27
